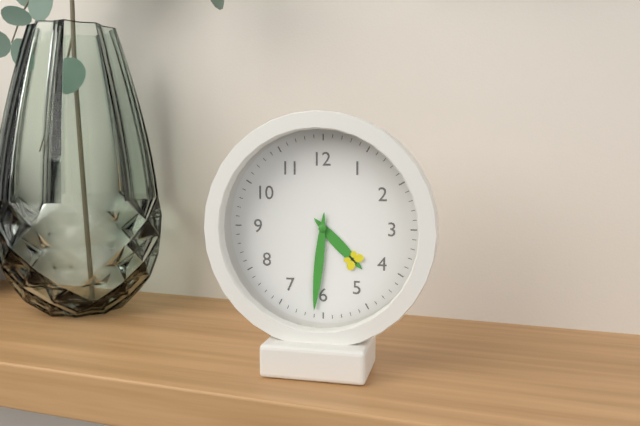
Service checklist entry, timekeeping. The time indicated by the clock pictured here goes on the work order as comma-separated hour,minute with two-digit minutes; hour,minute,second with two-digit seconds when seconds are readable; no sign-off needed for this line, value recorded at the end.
4,31
